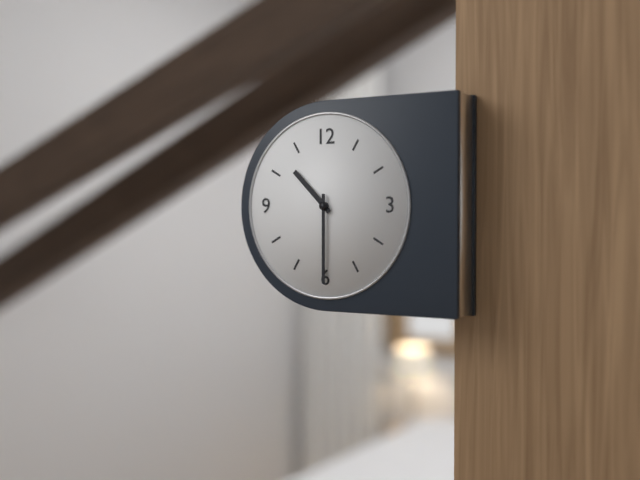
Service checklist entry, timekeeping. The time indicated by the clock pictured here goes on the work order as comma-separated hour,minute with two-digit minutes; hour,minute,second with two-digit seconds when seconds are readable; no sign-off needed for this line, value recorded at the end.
10,30
